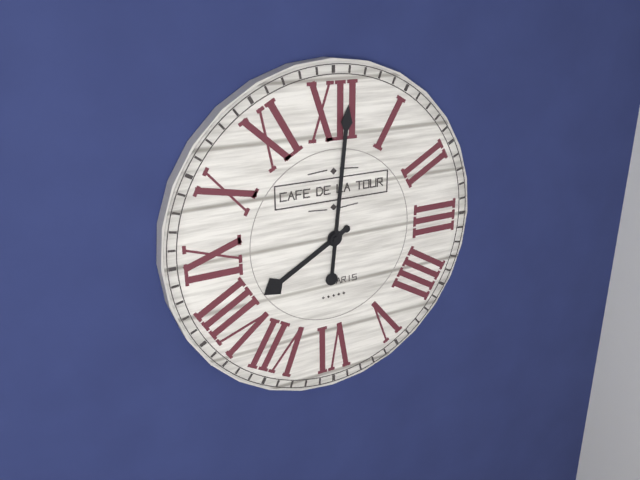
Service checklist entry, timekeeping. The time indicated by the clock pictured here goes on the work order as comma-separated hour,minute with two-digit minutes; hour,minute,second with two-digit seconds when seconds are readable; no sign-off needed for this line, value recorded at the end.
8,01
